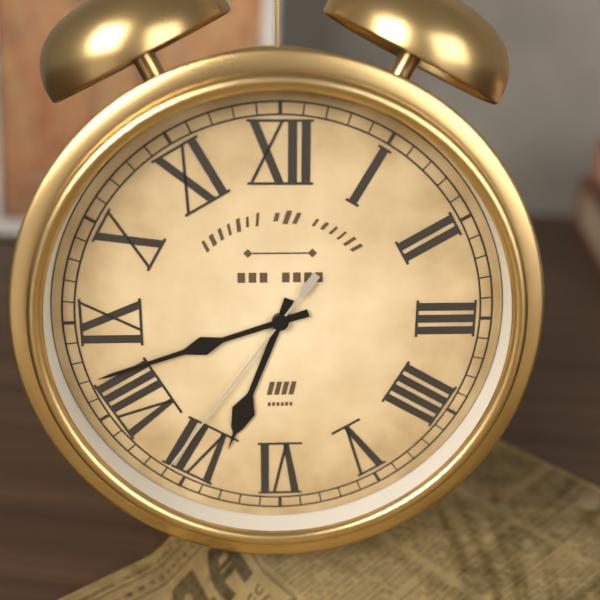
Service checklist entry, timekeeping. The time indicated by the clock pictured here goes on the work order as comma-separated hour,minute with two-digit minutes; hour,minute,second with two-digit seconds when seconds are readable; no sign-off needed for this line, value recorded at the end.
6,42,36
